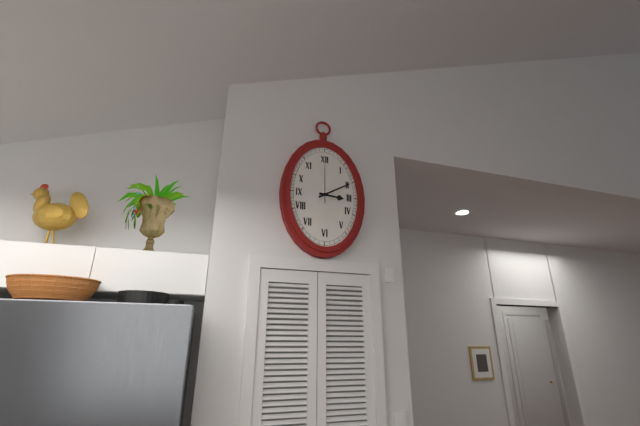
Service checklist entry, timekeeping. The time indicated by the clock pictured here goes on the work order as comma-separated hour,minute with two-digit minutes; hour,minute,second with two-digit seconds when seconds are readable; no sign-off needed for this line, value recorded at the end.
3,10
